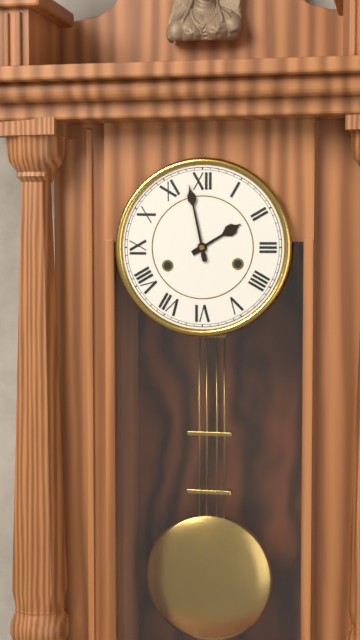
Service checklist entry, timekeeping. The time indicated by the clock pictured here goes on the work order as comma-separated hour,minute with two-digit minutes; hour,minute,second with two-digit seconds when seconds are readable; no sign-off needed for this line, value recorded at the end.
1,58
